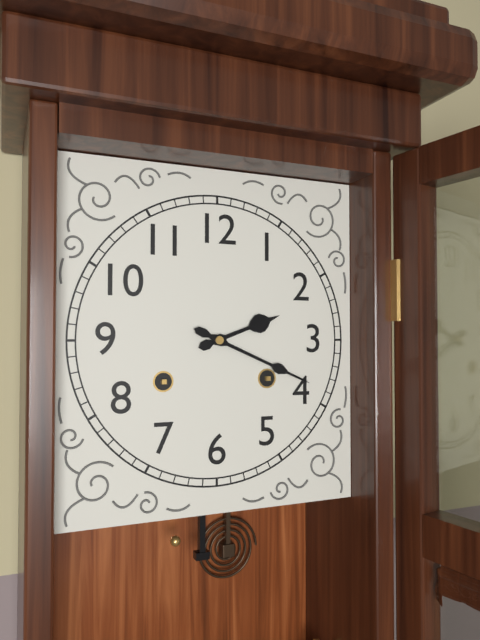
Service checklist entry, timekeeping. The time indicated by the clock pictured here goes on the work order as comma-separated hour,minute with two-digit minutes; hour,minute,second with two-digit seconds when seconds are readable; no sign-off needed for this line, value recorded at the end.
2,19
